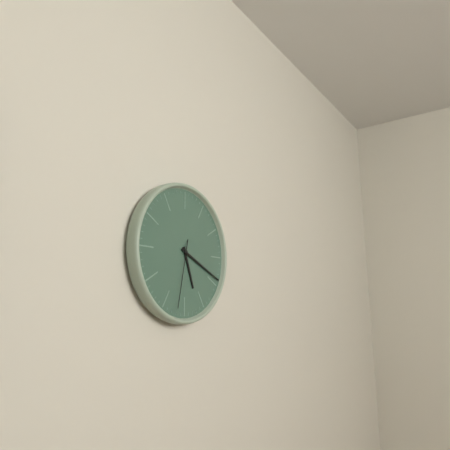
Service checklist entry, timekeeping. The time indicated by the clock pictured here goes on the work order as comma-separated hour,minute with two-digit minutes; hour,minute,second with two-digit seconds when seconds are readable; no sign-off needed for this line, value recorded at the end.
5,19,32
